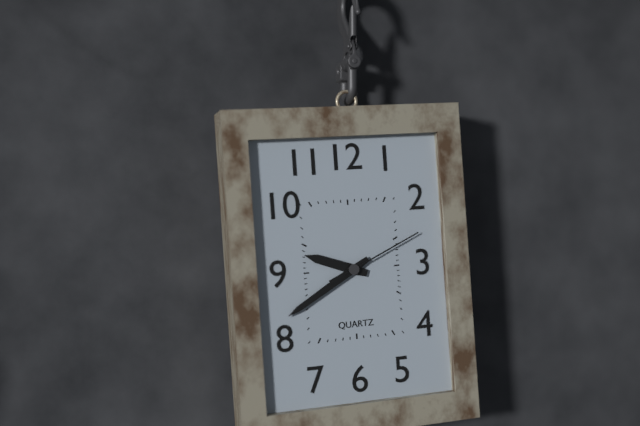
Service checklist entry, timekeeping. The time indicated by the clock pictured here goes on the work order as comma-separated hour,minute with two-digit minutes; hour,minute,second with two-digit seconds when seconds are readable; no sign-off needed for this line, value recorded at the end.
9,40,11
